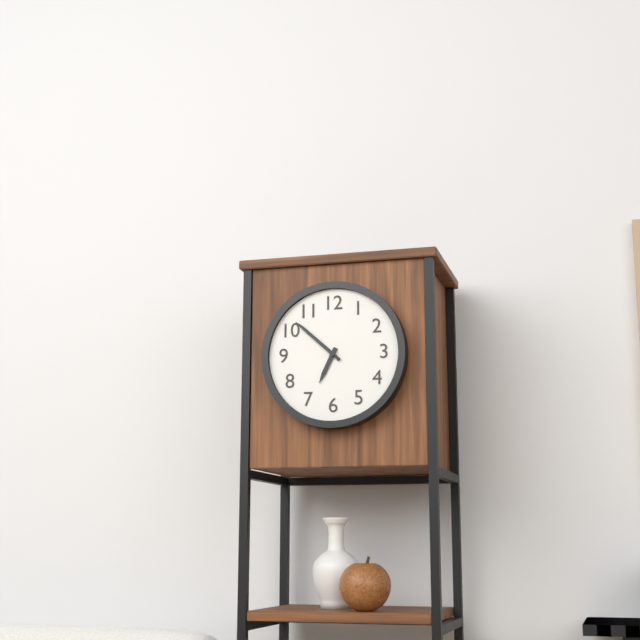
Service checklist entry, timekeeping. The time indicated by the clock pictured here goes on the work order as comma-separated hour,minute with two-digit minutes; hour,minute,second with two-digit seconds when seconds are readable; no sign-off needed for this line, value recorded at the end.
6,52
